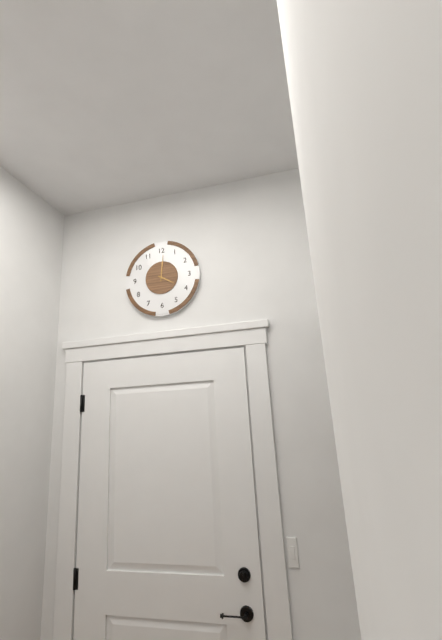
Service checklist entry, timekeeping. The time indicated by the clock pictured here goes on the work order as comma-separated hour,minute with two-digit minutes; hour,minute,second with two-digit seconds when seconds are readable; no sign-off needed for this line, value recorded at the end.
4,01
